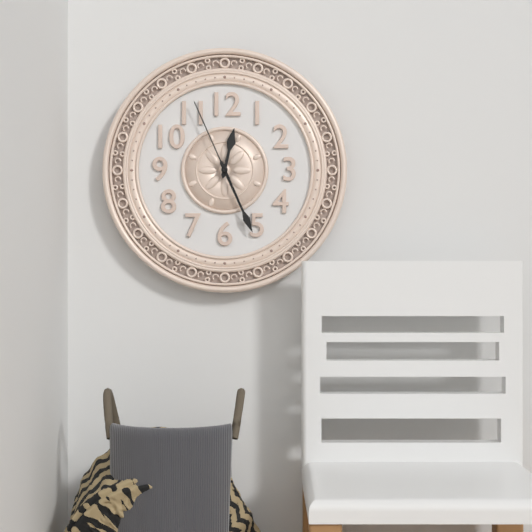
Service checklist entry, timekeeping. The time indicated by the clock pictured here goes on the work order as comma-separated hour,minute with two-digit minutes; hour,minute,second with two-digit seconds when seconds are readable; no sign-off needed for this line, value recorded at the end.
12,26,56
